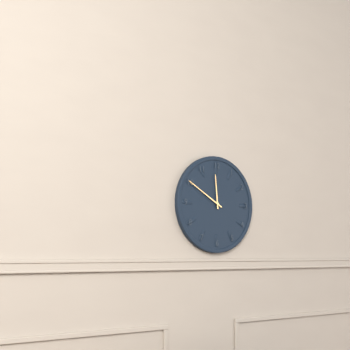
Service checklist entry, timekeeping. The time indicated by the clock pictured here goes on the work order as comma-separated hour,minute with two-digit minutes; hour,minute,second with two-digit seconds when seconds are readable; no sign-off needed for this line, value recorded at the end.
11,50
